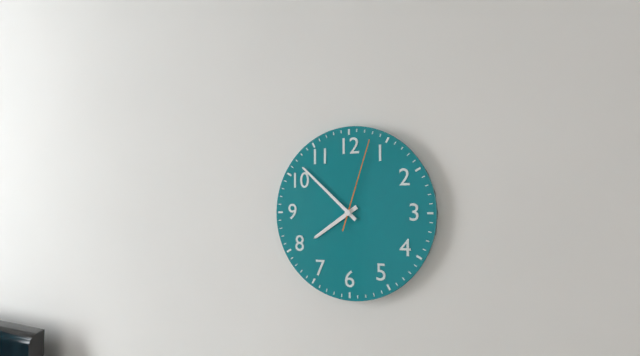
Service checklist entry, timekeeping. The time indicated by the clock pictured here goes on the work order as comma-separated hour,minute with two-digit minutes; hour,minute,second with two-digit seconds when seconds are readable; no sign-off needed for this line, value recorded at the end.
7,52,03
